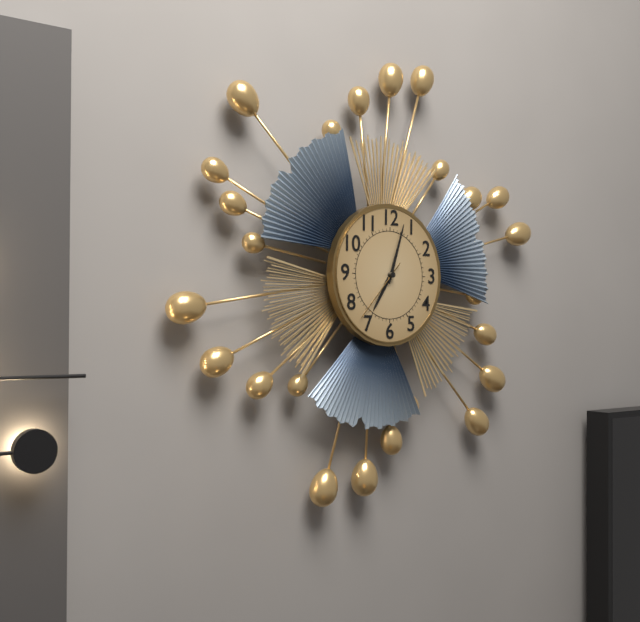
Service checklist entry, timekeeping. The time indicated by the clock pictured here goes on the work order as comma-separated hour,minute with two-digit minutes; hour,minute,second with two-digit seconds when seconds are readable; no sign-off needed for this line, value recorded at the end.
7,03,37
